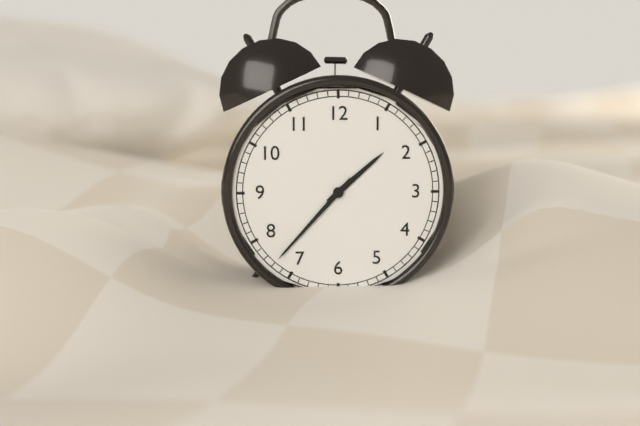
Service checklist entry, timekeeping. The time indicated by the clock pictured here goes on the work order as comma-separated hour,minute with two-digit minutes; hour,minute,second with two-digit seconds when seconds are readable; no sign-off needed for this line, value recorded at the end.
1,37
